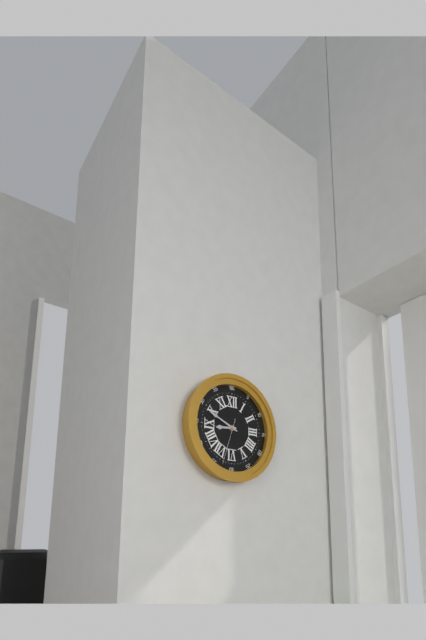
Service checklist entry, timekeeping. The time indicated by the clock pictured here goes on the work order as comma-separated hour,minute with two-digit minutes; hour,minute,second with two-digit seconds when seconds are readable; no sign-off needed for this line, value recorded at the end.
8,49
